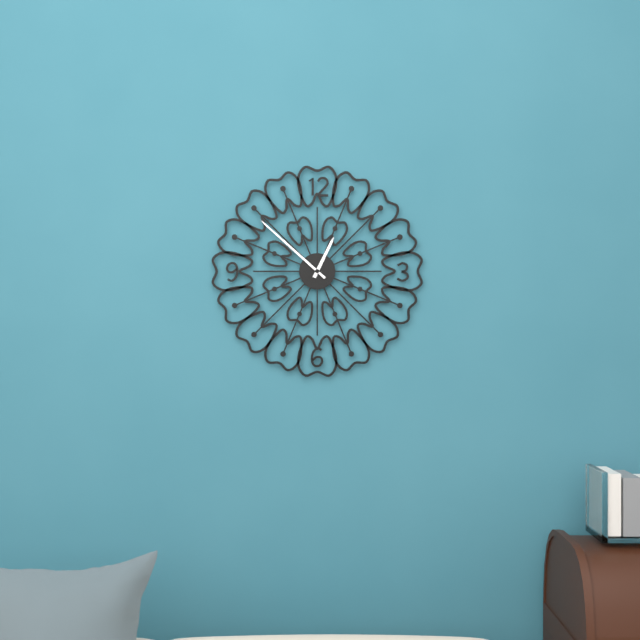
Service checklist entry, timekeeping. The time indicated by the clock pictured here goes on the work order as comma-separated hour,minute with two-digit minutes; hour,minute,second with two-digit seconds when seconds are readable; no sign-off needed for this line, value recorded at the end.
12,52
